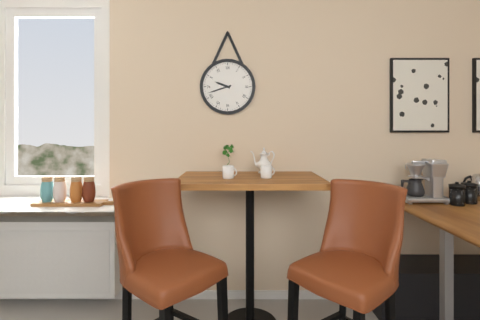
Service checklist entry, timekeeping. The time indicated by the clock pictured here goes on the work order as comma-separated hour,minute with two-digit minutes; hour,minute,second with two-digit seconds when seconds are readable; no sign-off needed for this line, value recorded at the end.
9,42
